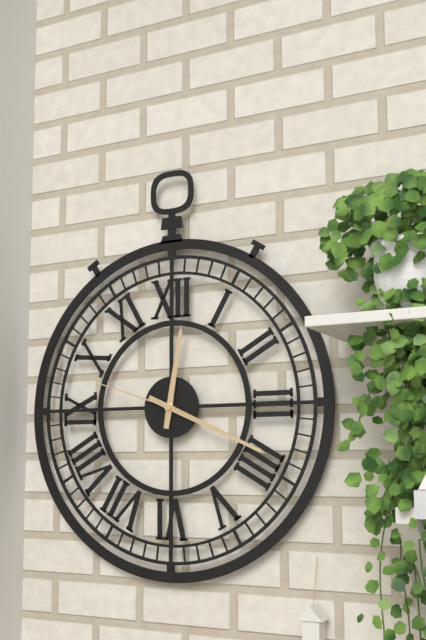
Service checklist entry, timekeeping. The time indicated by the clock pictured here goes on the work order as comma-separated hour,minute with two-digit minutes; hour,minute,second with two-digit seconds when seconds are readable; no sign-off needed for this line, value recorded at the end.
12,19,48
